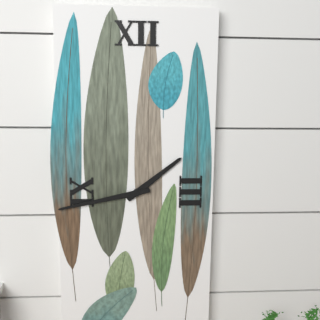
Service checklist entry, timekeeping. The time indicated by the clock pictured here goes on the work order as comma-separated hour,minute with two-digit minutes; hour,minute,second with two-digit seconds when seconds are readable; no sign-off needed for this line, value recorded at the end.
1,43
